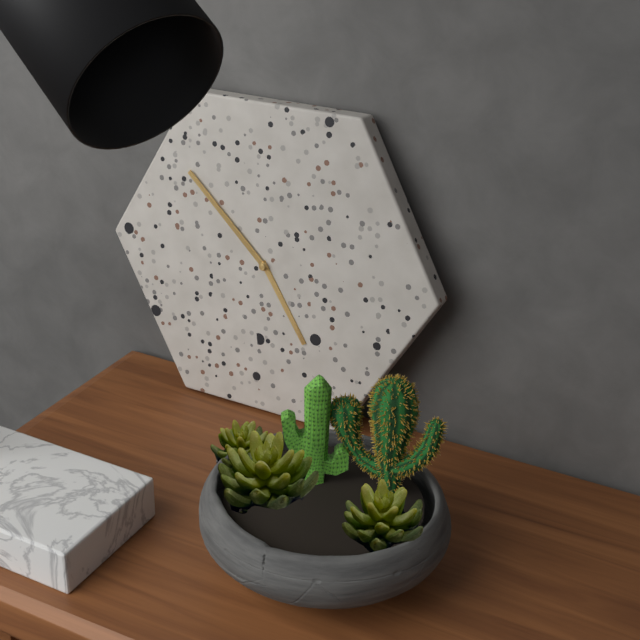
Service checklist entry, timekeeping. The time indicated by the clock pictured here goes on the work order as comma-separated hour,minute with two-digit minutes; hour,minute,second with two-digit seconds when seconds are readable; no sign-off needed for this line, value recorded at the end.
4,52
